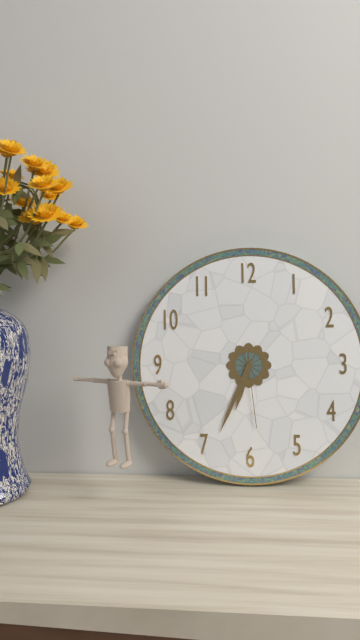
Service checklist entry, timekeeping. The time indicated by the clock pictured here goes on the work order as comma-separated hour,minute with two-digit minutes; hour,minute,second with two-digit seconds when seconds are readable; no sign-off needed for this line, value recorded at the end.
6,34,29
